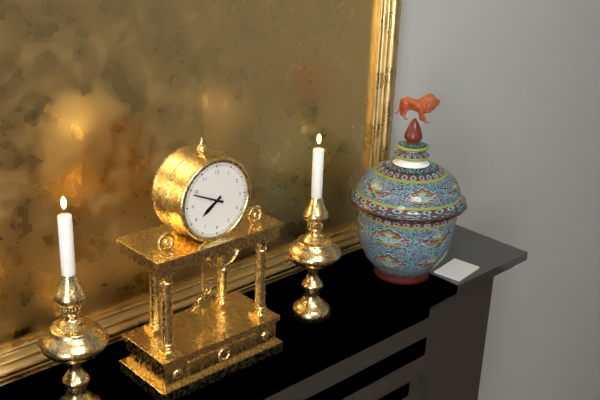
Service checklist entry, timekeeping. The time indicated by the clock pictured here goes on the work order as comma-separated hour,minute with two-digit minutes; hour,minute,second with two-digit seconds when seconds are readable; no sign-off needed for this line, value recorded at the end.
7,49
